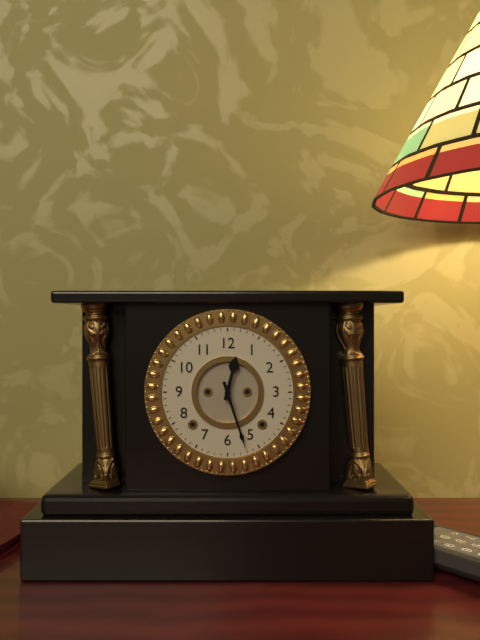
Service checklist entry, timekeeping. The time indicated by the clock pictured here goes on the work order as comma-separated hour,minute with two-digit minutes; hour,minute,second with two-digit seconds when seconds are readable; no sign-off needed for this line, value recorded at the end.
12,27
